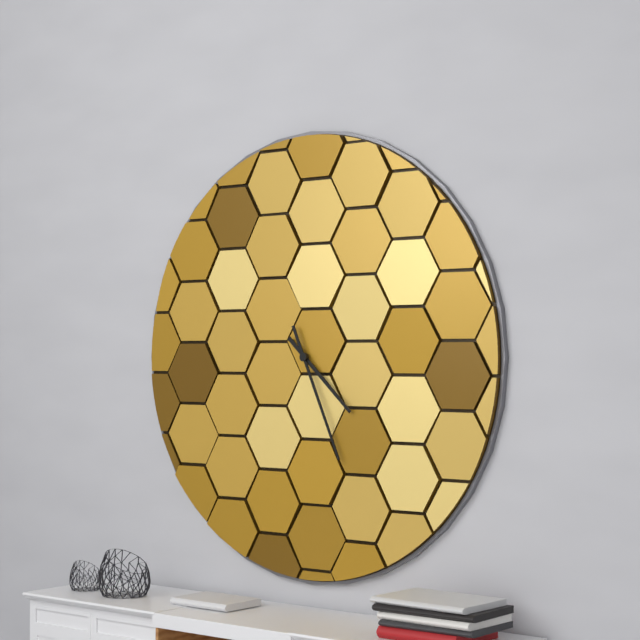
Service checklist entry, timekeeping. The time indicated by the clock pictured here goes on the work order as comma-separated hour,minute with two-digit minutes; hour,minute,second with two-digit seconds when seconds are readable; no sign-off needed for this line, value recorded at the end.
4,26
